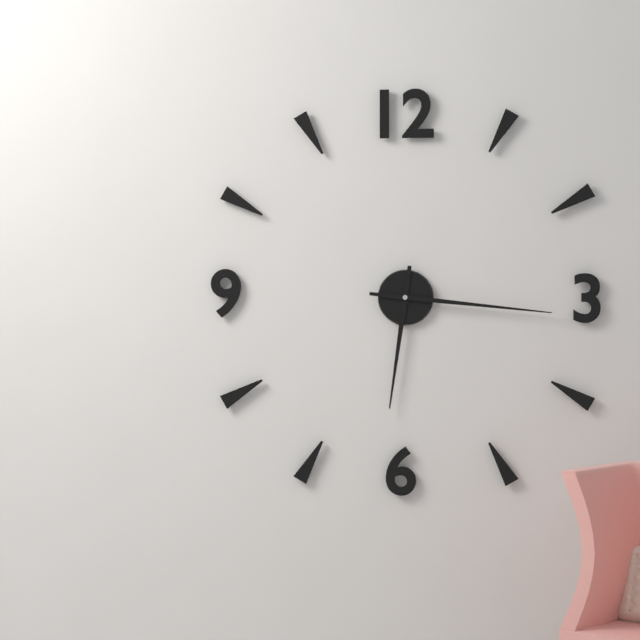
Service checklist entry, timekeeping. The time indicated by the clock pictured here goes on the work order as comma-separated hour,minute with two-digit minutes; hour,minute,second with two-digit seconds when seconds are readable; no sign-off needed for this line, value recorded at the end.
6,16
